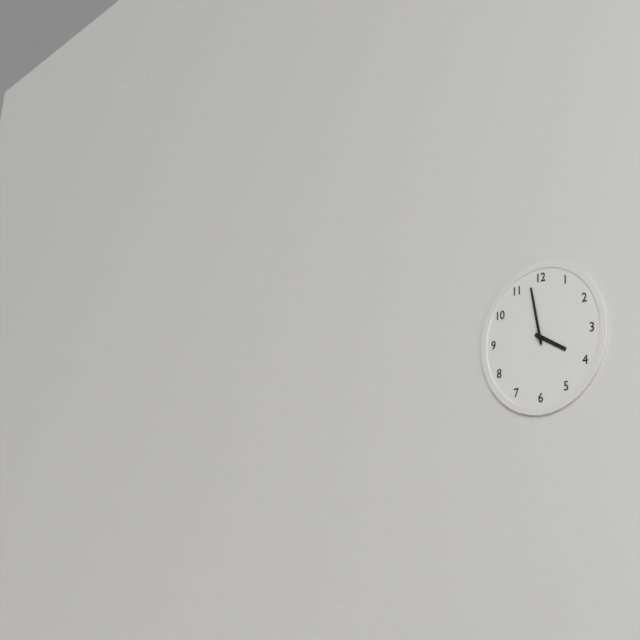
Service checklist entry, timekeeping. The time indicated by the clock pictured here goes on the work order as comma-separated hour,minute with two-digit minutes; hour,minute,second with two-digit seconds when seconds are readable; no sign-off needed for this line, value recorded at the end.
3,58
